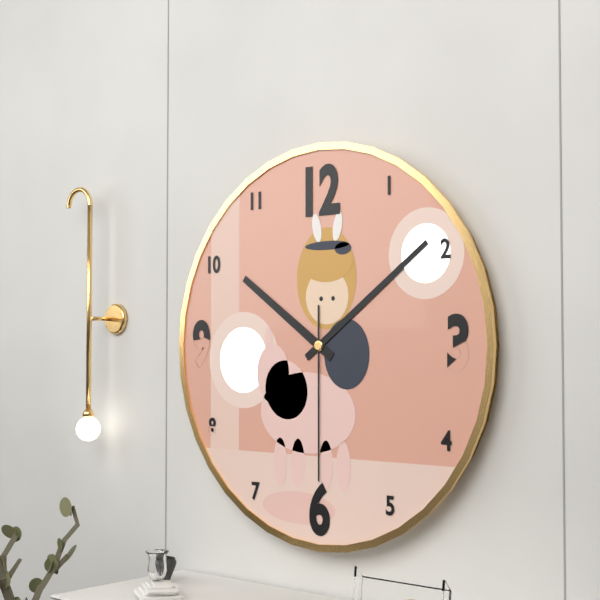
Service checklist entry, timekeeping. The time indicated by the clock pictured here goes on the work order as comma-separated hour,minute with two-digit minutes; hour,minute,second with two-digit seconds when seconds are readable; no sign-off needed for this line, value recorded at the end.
10,09,30
